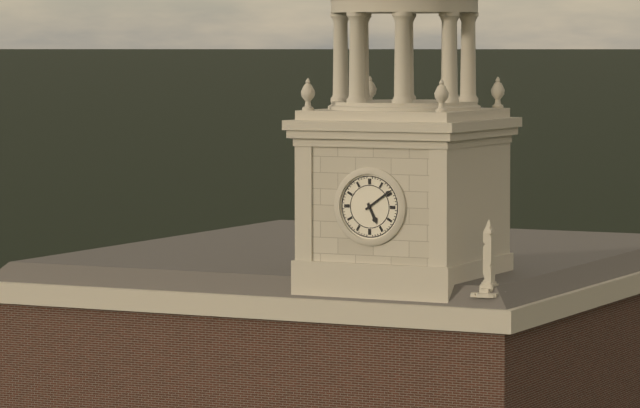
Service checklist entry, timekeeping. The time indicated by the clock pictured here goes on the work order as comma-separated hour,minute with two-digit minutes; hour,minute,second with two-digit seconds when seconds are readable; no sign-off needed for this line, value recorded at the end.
5,09
